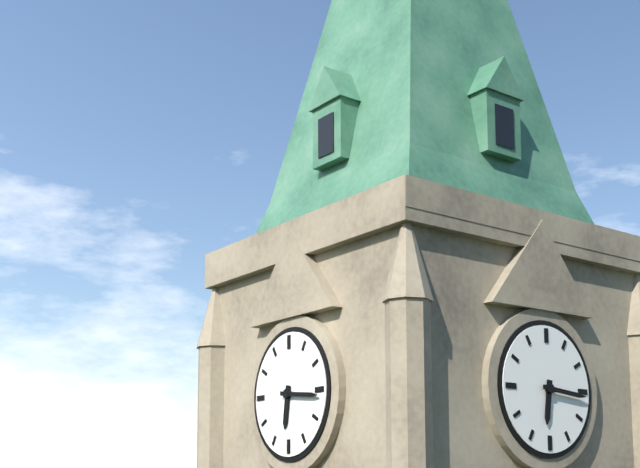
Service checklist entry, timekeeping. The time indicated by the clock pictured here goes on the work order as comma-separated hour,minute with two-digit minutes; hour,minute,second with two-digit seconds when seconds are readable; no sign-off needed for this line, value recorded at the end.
6,16
